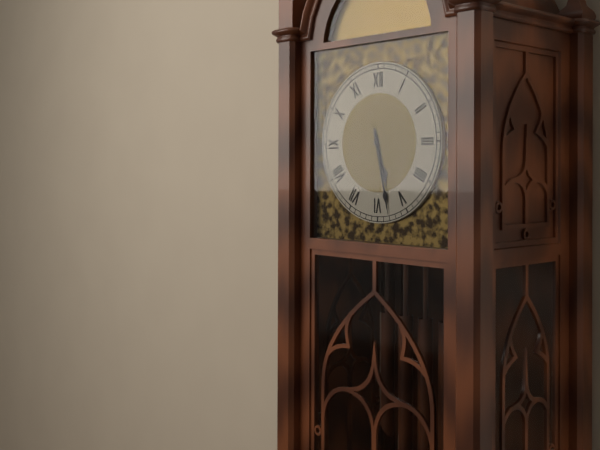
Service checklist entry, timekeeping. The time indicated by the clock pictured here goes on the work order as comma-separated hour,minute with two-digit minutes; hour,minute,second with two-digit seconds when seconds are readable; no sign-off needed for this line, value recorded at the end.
5,28
